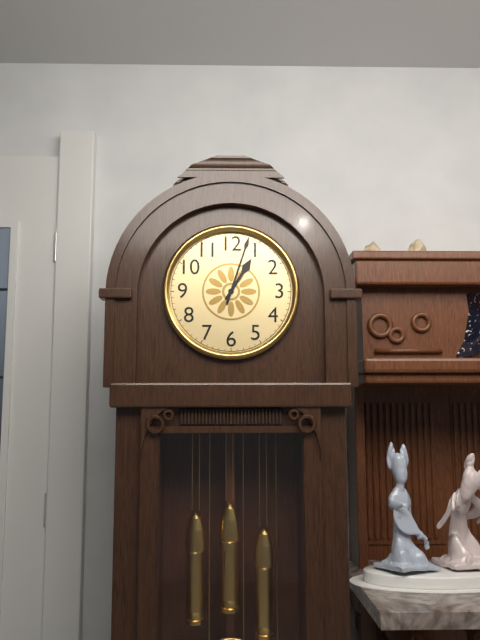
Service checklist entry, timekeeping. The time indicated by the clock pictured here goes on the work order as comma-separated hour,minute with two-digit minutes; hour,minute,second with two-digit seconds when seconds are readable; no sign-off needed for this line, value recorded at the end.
1,03
